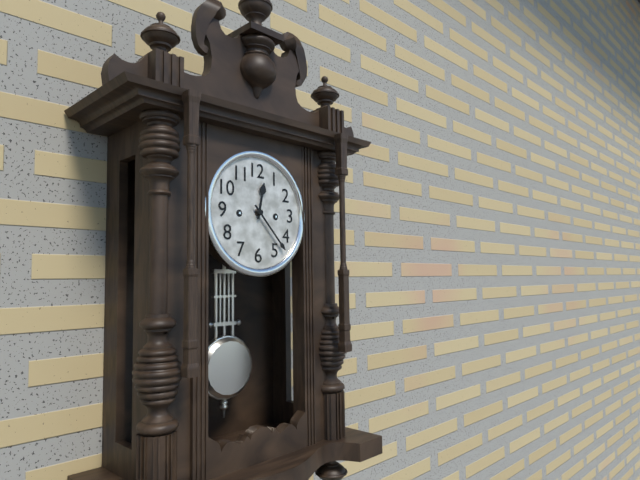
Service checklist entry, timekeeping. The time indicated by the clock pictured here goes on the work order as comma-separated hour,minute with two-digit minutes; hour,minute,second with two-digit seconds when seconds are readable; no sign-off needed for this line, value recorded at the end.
12,23
